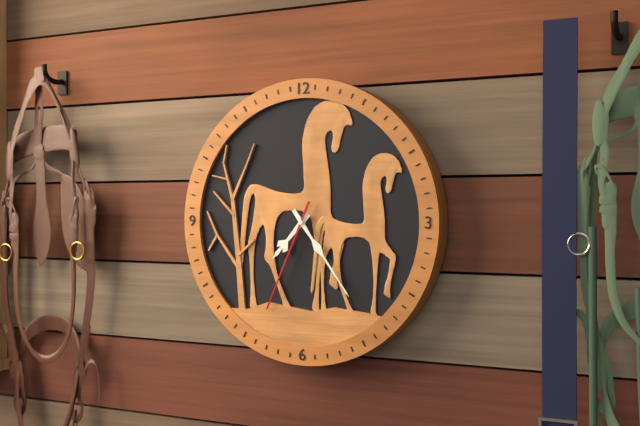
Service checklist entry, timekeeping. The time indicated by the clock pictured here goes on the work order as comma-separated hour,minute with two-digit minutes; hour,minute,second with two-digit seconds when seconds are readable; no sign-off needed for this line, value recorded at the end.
7,24,34
